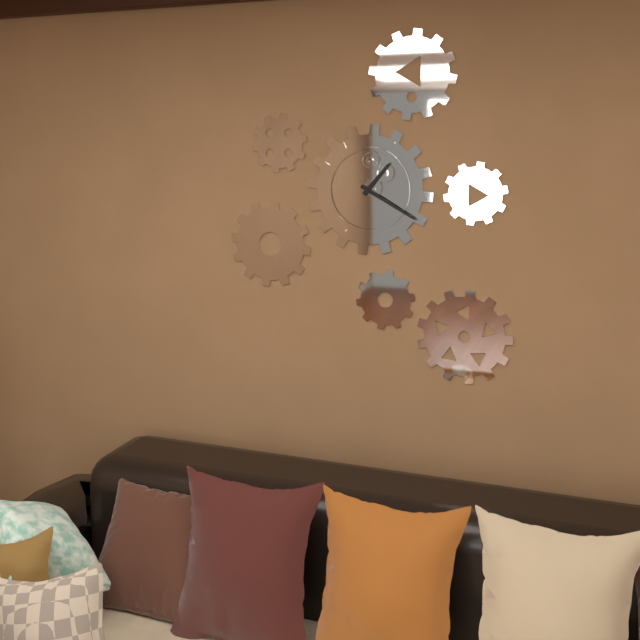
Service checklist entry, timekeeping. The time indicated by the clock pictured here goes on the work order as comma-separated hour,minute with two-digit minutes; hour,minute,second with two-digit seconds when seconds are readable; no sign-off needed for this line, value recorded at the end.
1,20
